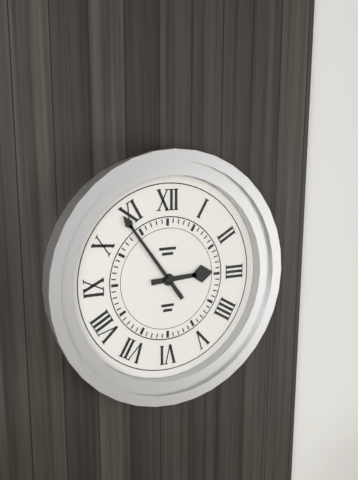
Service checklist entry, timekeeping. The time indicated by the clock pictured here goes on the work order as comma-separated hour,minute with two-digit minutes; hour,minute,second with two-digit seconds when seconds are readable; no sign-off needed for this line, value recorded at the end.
2,54
